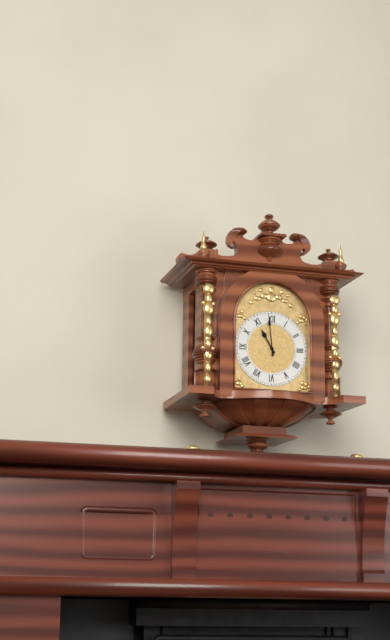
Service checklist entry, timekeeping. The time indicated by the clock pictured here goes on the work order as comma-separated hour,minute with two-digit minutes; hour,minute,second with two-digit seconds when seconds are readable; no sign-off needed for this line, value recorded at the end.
10,59
